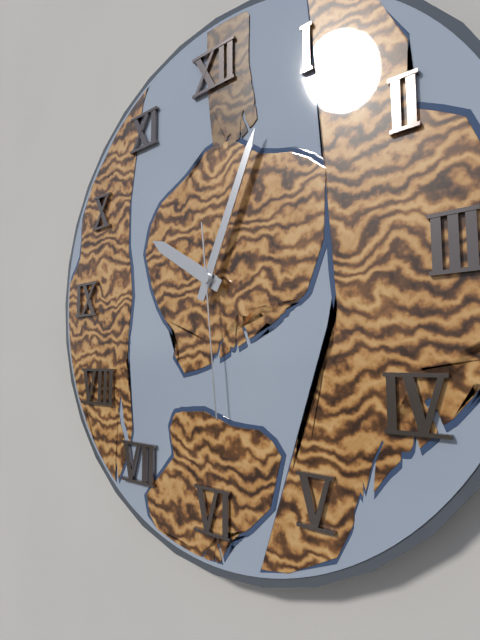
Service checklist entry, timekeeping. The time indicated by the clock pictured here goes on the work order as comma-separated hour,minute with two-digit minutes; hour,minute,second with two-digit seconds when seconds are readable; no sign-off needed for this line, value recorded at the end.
10,04,29
